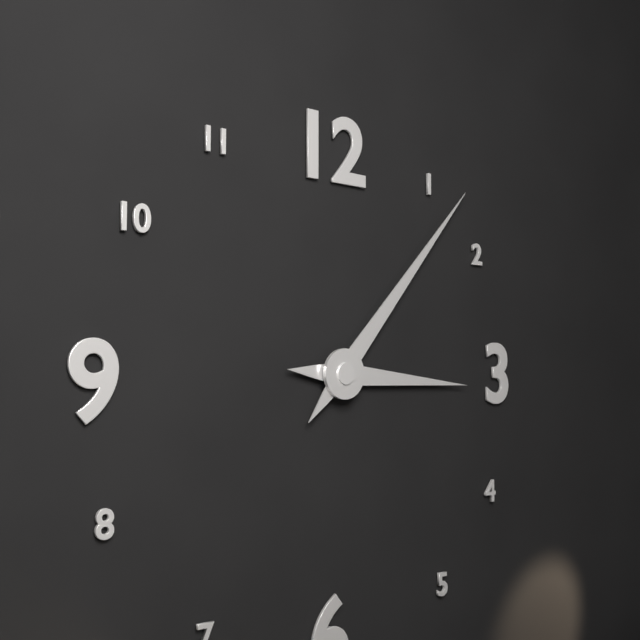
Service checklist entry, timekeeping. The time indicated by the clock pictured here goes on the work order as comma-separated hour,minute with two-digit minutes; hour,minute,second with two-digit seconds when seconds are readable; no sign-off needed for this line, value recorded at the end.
3,07
